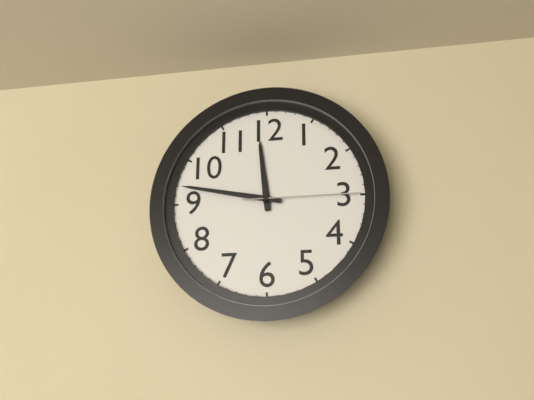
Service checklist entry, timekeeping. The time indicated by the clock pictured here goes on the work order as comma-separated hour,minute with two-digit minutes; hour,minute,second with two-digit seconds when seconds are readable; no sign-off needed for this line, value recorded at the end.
11,47,15
